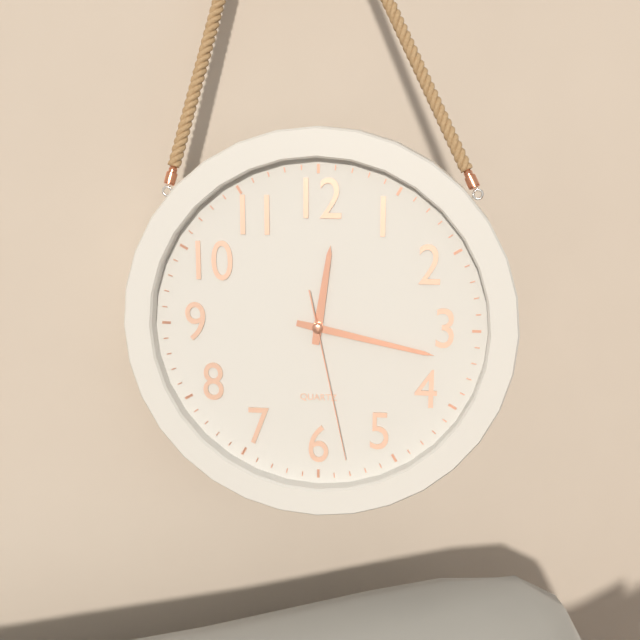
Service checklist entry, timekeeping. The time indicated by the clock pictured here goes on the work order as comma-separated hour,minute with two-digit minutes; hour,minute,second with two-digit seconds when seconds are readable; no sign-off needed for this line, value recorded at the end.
12,17,28
